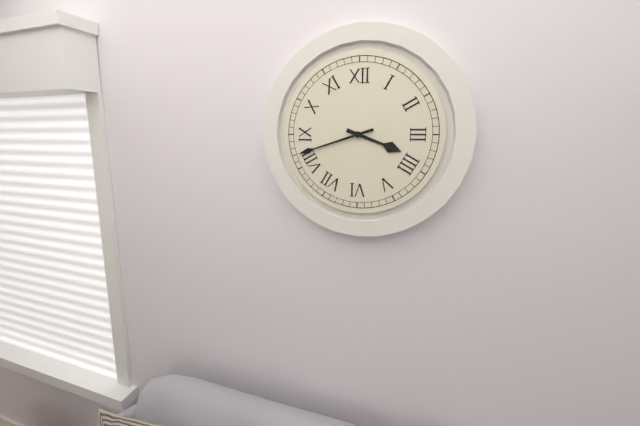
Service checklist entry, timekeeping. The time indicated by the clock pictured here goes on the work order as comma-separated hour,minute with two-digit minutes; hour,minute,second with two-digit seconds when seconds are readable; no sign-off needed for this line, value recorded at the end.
3,42
